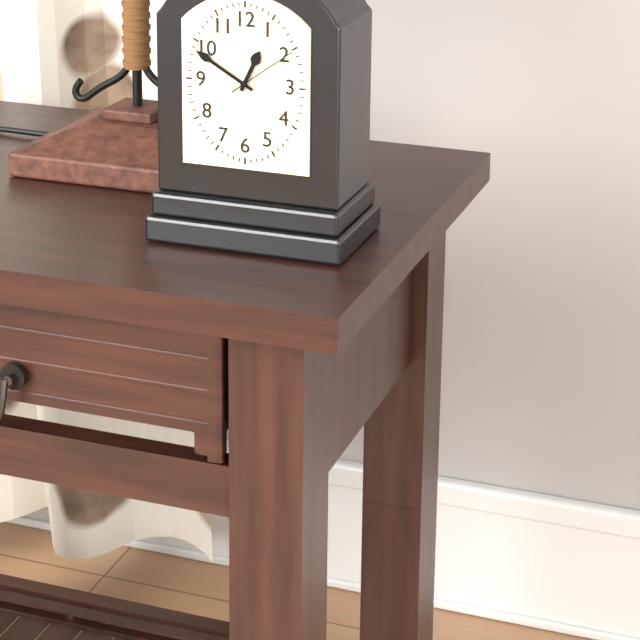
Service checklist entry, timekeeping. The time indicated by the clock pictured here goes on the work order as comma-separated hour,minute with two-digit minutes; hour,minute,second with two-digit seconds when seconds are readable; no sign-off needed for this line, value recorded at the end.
12,50,09
